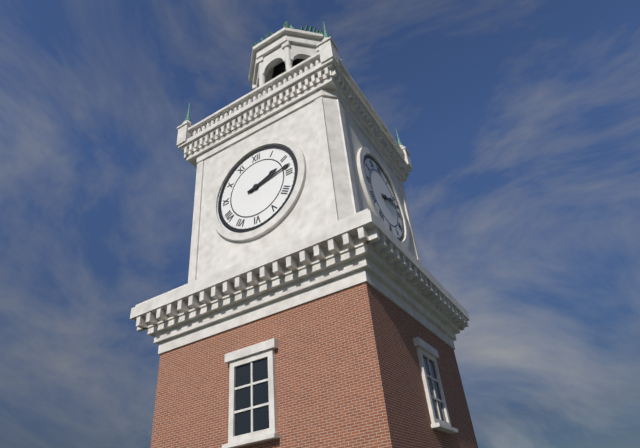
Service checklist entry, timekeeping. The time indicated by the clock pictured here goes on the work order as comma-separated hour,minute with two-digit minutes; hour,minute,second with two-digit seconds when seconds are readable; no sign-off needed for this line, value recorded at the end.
2,13
